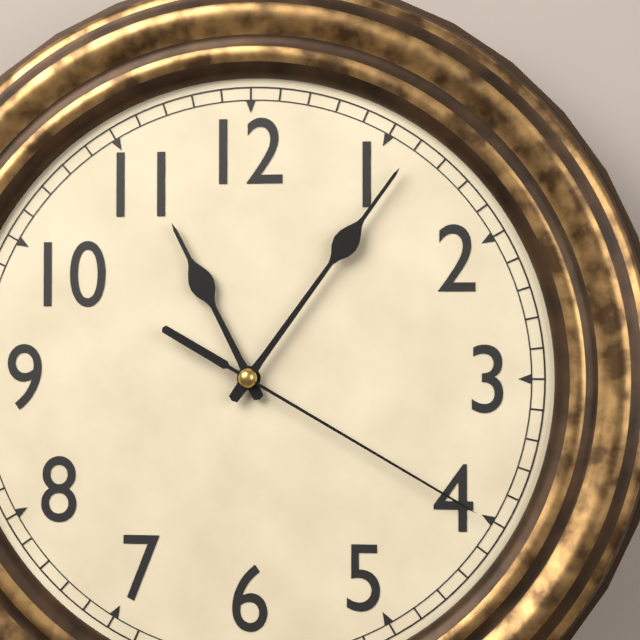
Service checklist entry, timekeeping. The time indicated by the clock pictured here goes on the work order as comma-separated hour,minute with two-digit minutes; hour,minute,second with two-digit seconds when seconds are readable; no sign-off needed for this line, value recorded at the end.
11,06,20
